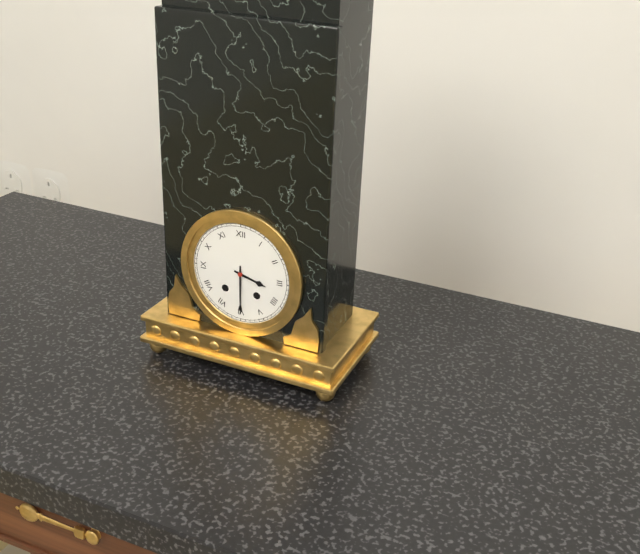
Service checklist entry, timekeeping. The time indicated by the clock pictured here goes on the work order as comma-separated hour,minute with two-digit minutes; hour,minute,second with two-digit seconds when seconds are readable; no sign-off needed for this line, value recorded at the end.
3,30
